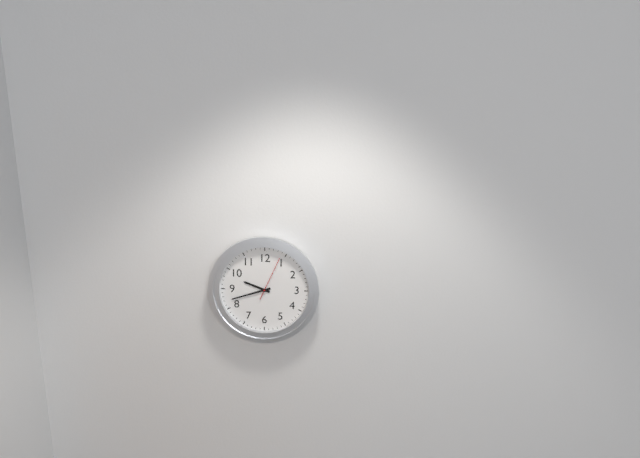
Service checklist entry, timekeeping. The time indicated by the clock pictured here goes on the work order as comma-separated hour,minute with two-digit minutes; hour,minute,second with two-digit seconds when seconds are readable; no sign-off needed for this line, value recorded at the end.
9,42
